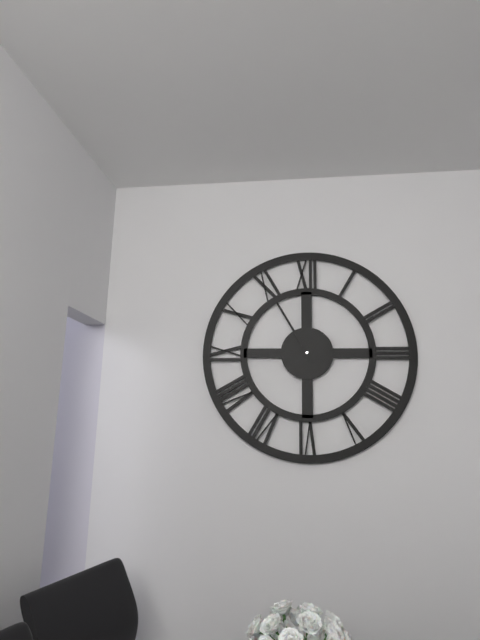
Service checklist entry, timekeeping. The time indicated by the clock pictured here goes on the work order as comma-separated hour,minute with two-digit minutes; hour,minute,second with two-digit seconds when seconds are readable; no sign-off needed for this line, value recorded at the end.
11,55
